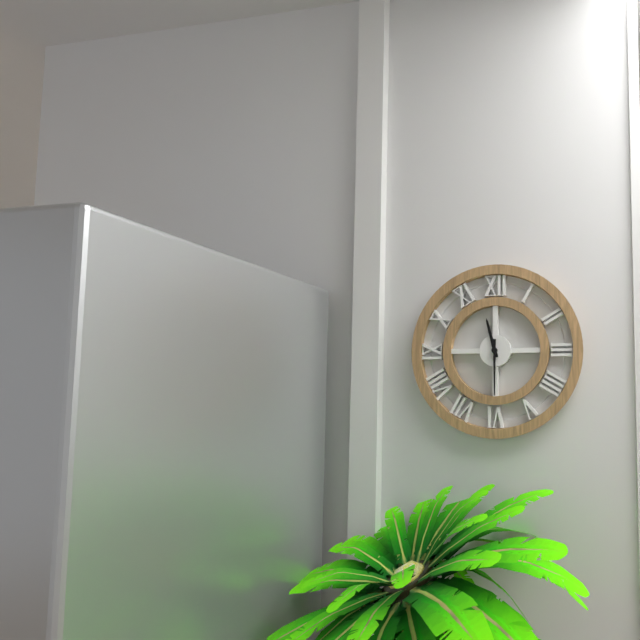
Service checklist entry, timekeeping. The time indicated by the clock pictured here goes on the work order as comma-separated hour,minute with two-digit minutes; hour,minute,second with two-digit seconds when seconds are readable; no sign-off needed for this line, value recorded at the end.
11,30
